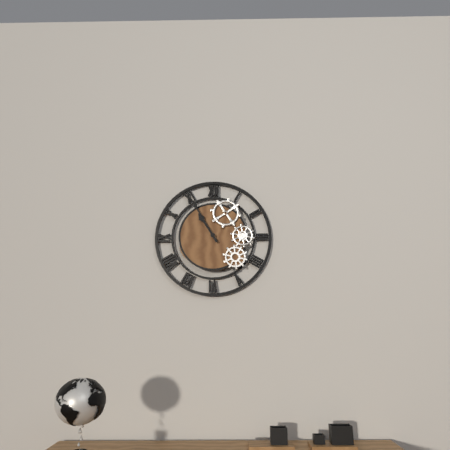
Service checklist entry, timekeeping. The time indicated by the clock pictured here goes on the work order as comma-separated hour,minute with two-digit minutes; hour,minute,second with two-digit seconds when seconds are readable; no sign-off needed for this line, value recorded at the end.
10,55
